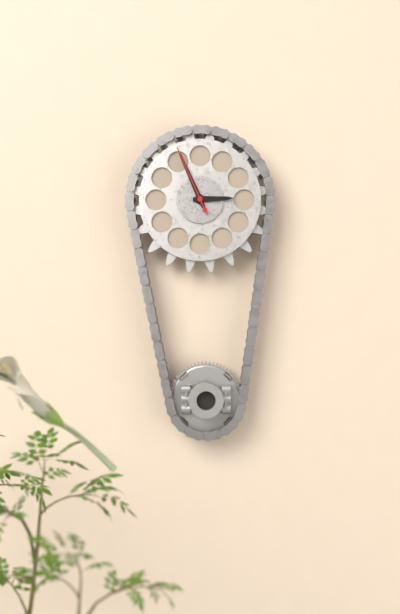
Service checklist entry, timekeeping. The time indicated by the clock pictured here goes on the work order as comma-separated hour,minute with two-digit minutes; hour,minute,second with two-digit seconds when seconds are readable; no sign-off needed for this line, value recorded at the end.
2,56,56
